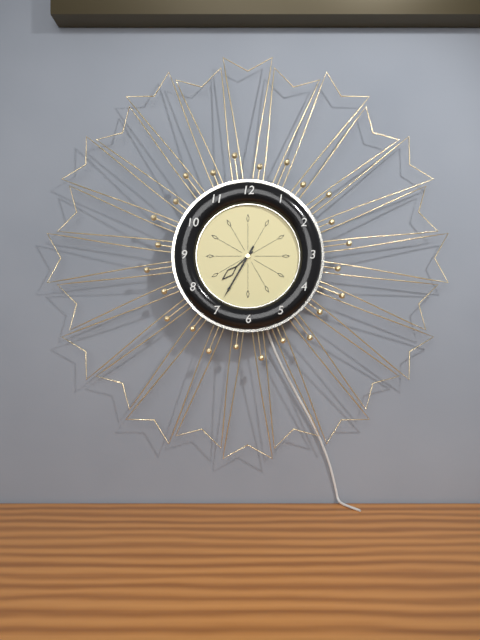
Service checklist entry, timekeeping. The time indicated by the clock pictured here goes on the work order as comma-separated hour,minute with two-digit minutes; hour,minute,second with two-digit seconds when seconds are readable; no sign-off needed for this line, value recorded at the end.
7,35
